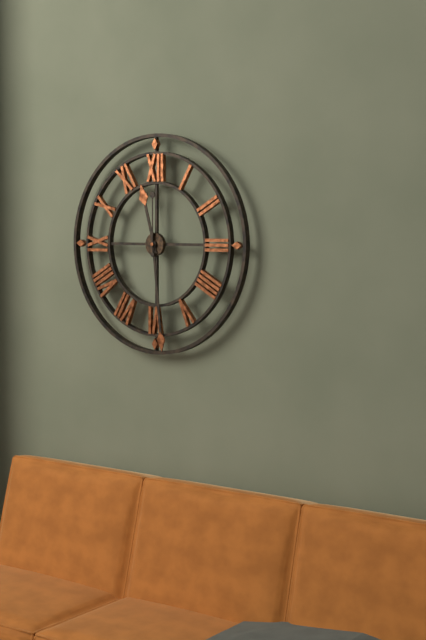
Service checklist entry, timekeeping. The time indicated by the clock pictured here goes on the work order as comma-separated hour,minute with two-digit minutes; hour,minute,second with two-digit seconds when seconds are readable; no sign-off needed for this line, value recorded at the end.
11,29,00
